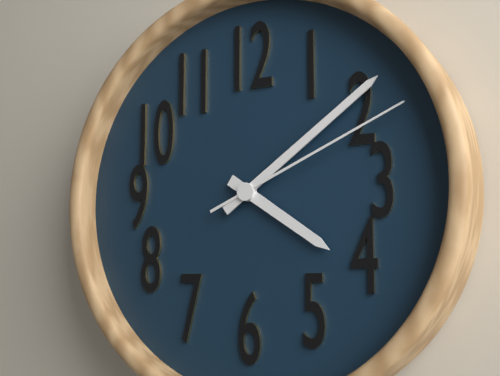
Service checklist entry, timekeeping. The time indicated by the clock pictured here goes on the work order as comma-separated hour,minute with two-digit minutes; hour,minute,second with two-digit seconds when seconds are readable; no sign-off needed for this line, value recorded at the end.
4,09,11
